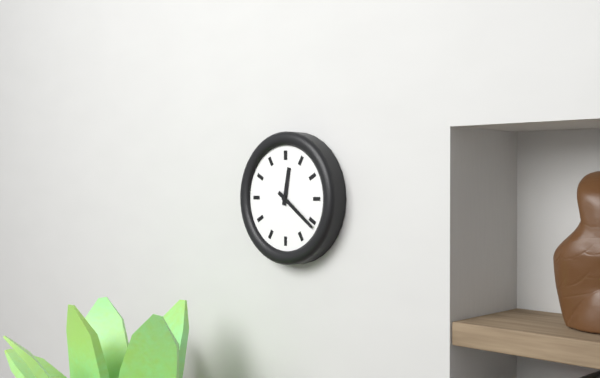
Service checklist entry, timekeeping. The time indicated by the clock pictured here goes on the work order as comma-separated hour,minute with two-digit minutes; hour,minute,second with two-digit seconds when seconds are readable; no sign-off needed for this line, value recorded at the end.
12,21
